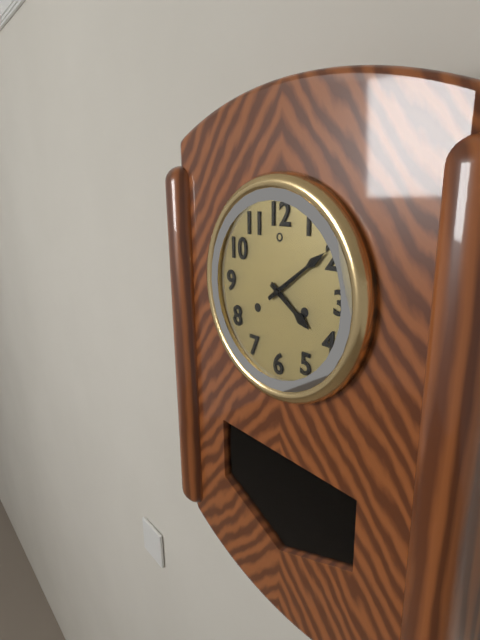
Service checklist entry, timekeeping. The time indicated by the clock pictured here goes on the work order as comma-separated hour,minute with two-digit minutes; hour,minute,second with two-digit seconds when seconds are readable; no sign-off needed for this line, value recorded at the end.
4,09
